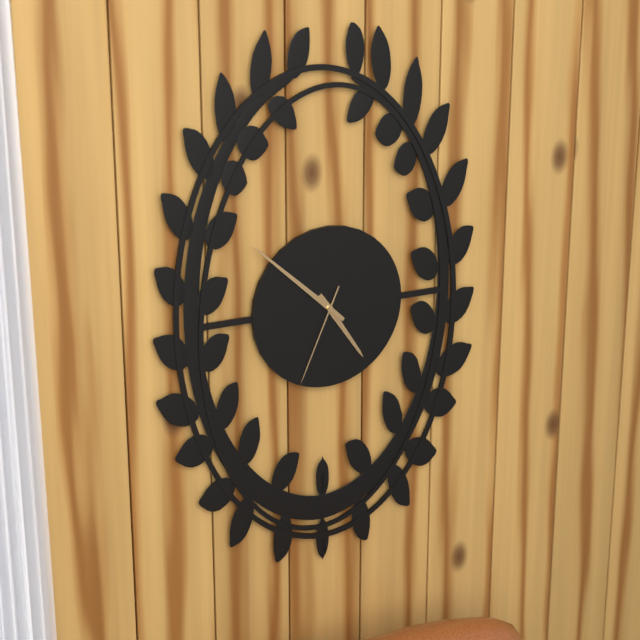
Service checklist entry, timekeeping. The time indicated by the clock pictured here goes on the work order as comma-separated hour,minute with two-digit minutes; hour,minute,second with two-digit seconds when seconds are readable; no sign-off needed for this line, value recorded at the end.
4,52,34
